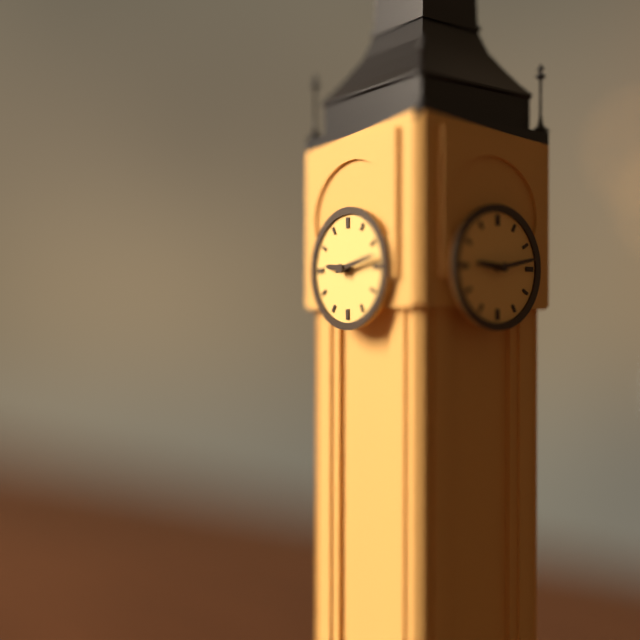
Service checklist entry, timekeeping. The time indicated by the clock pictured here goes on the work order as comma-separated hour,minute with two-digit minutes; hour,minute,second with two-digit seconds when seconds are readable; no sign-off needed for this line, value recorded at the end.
9,13
